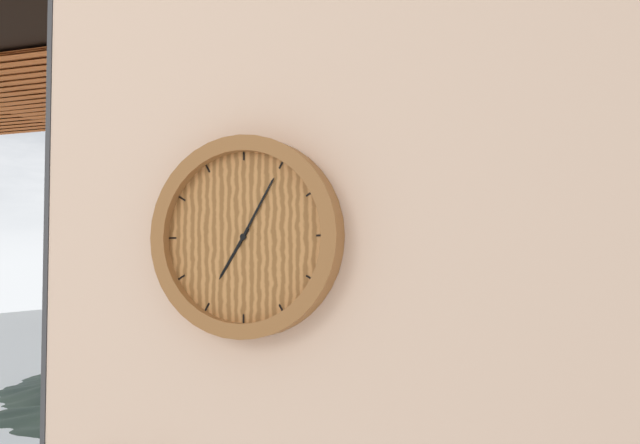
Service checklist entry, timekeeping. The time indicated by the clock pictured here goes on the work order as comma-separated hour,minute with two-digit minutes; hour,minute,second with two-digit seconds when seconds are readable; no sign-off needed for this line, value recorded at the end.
7,05
